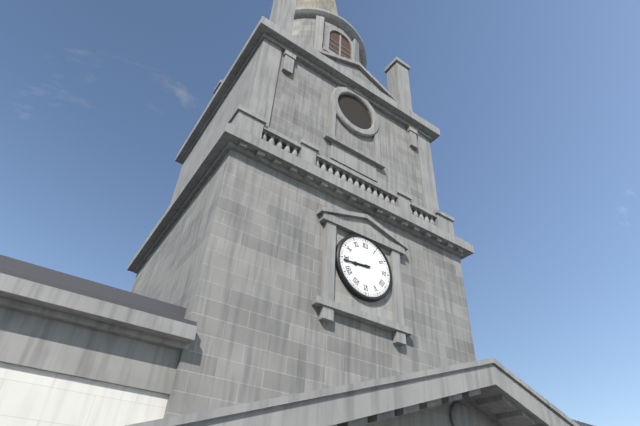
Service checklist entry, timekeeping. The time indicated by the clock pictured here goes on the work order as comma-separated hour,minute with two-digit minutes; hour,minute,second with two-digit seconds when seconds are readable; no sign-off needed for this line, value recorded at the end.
8,44
